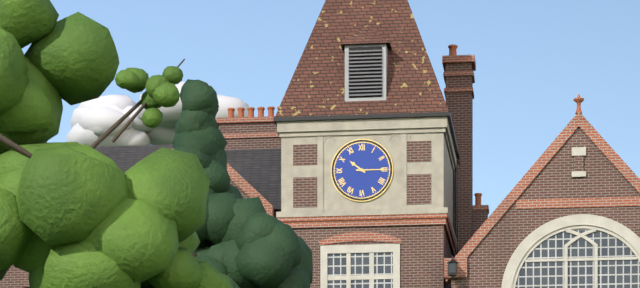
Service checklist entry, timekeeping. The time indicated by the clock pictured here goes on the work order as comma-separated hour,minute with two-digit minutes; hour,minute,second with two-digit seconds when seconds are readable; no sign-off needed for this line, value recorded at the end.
10,15
